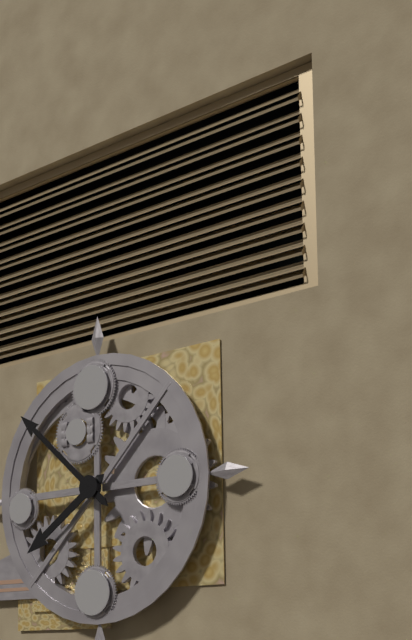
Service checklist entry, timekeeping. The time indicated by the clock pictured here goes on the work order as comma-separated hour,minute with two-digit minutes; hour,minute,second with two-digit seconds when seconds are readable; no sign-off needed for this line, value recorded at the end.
7,52
